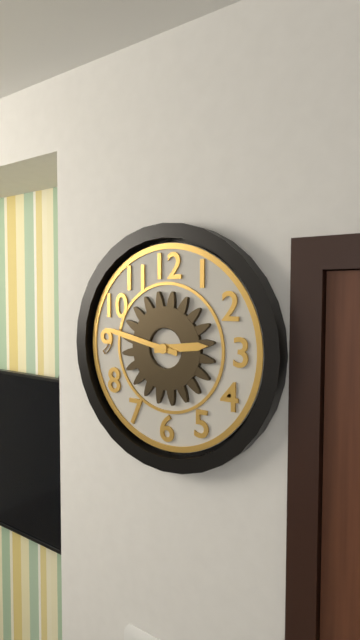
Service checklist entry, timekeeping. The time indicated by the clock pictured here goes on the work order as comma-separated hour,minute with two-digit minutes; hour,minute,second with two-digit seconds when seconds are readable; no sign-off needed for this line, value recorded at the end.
2,47
